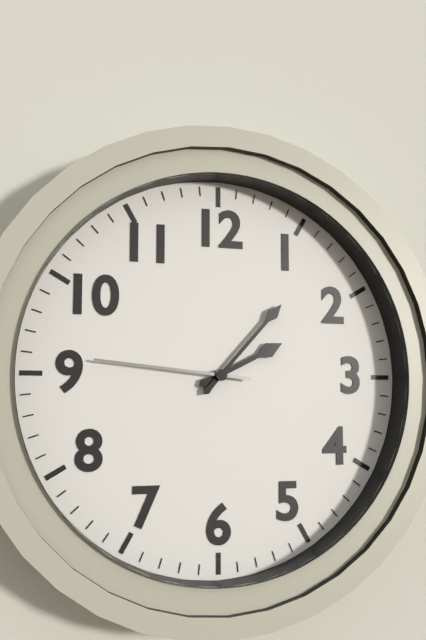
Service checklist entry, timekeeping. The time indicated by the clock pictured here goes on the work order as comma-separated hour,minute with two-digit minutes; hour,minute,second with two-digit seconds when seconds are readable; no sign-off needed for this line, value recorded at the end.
2,07,46
